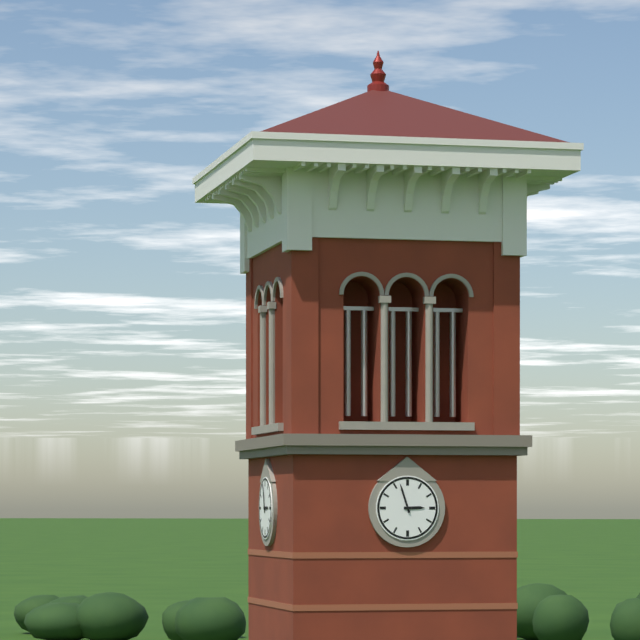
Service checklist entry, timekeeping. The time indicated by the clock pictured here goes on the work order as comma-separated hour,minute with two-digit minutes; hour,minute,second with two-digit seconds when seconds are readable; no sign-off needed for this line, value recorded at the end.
2,57
